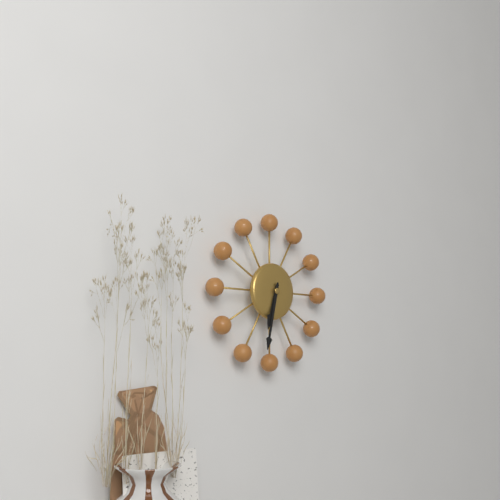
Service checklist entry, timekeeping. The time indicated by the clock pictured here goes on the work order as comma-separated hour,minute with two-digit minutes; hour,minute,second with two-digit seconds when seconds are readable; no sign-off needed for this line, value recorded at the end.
6,32
